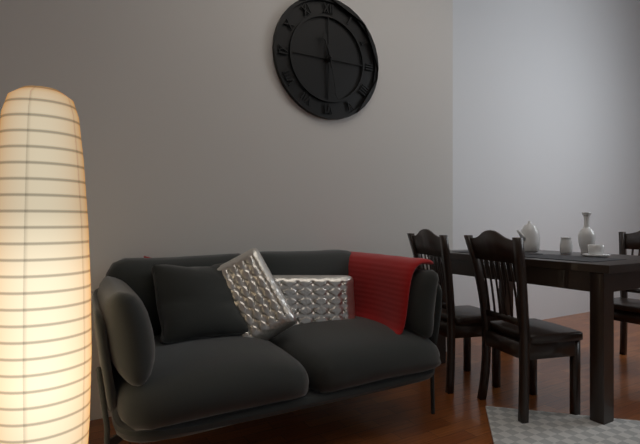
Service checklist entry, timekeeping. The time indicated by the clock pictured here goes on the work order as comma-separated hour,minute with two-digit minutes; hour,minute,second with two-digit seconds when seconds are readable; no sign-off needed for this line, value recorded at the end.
11,28
